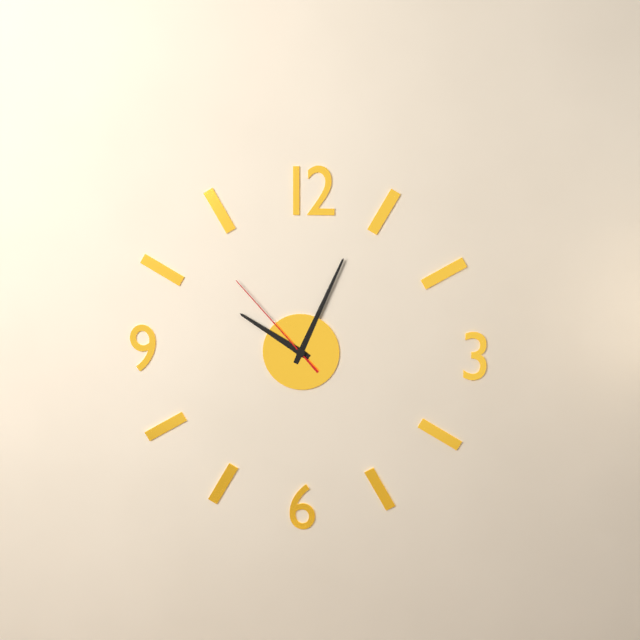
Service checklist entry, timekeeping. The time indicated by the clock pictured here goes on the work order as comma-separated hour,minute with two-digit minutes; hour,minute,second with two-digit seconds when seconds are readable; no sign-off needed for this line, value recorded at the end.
10,04,53
